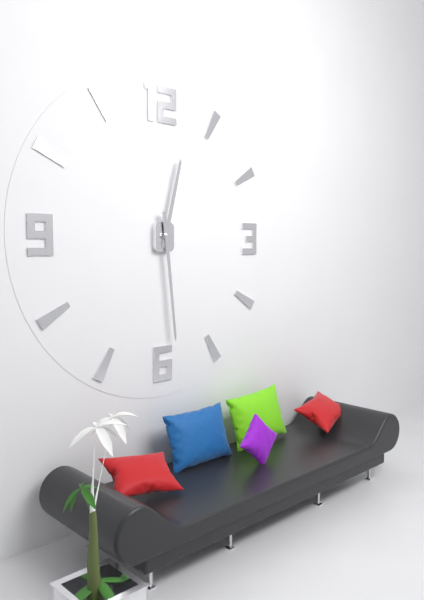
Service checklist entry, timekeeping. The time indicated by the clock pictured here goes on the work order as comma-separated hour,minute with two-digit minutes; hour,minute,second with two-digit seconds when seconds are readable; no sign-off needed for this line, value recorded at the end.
12,29
